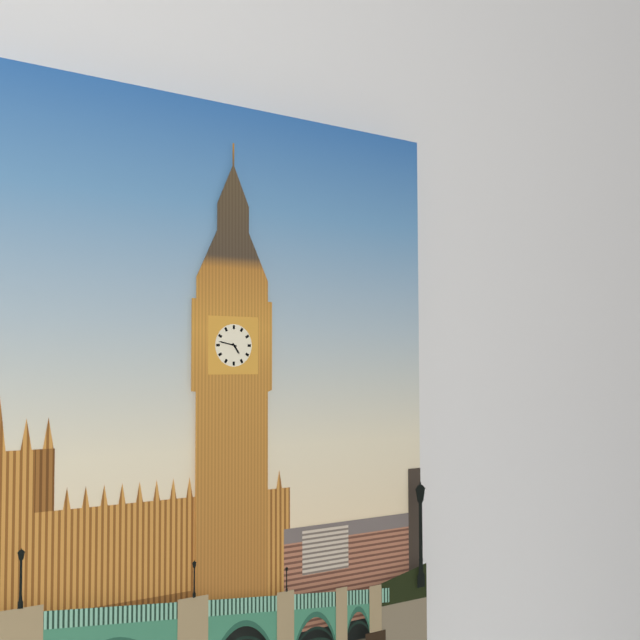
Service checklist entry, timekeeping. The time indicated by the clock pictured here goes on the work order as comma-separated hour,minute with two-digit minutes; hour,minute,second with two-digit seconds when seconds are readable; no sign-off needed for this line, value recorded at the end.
4,47
